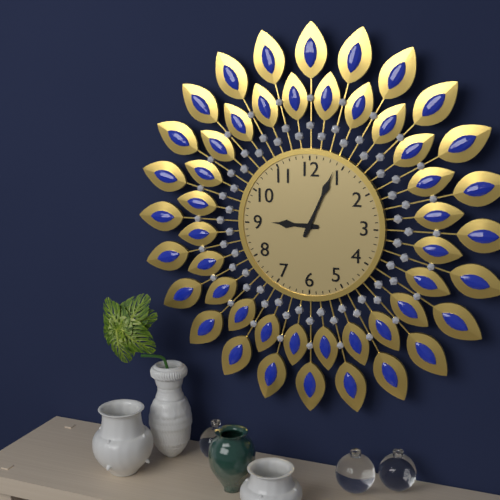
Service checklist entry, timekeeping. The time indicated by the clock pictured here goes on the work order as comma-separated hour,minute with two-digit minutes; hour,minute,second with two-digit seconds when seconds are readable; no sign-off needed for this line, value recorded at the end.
9,04
